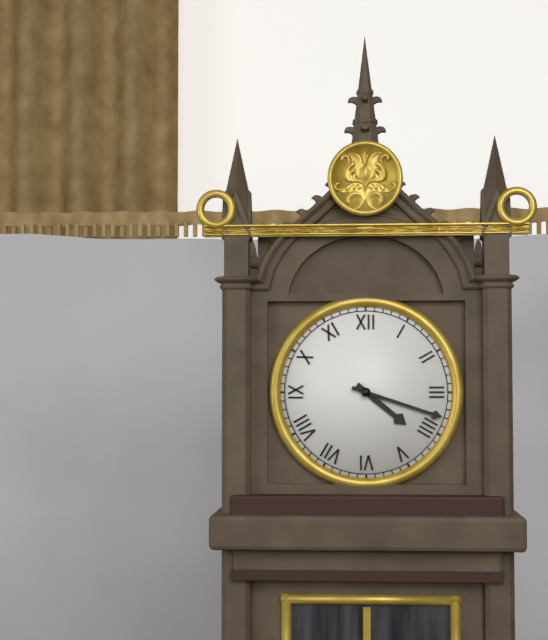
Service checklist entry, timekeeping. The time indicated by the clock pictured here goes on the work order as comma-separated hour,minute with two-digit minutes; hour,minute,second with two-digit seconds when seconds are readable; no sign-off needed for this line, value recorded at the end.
4,18
